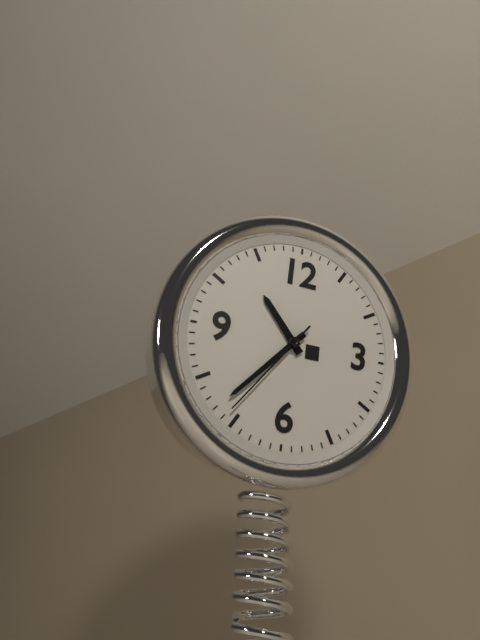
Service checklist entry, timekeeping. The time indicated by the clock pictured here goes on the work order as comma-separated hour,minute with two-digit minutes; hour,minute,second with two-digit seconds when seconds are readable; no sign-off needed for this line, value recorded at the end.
10,37,36
